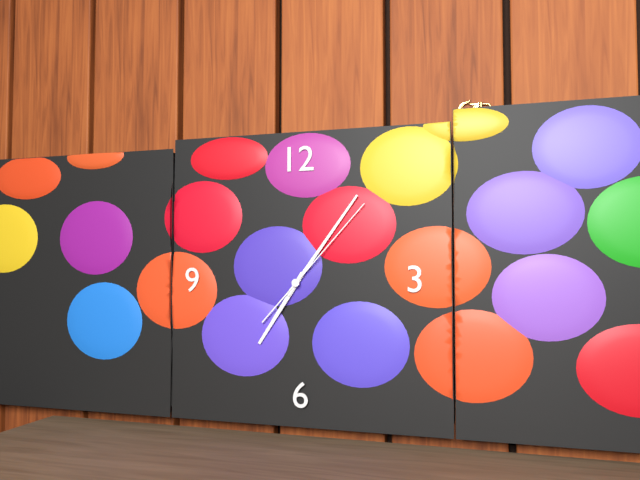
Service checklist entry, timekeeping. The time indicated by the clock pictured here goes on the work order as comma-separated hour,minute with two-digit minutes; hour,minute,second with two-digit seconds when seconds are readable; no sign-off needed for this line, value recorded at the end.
7,06,07
